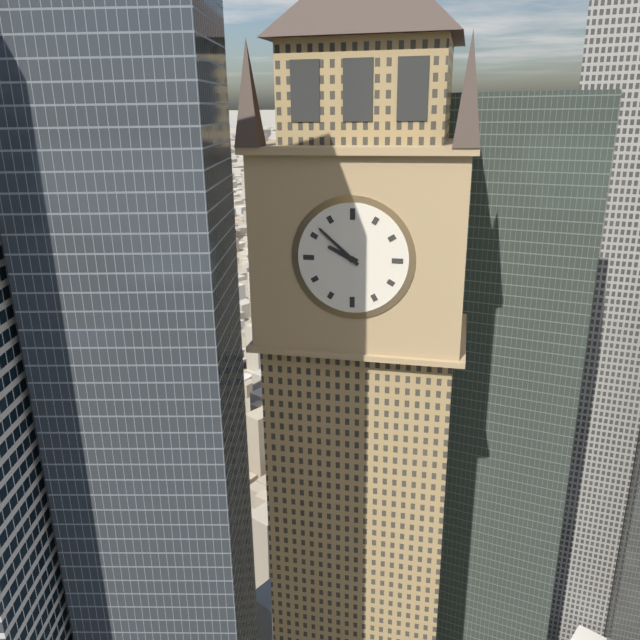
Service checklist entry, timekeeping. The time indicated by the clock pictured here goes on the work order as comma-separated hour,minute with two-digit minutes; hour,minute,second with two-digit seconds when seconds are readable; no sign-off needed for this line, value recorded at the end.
9,52
